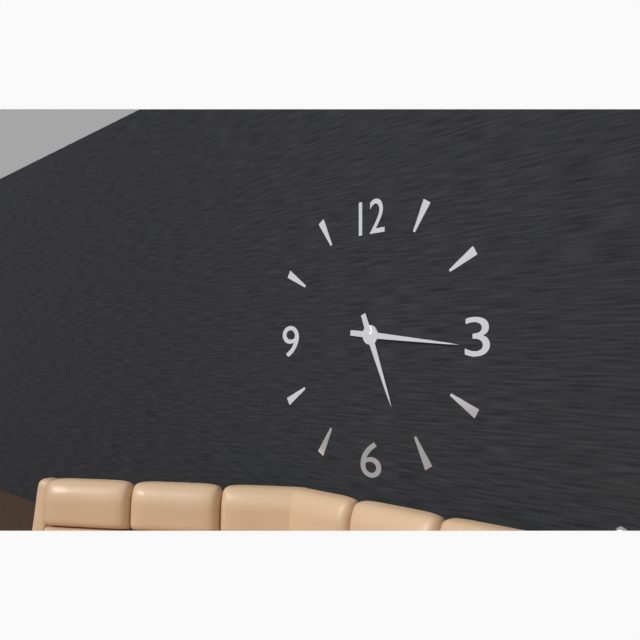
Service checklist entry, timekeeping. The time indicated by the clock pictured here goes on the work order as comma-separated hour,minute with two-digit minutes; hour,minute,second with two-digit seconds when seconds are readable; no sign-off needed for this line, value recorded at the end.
5,16
